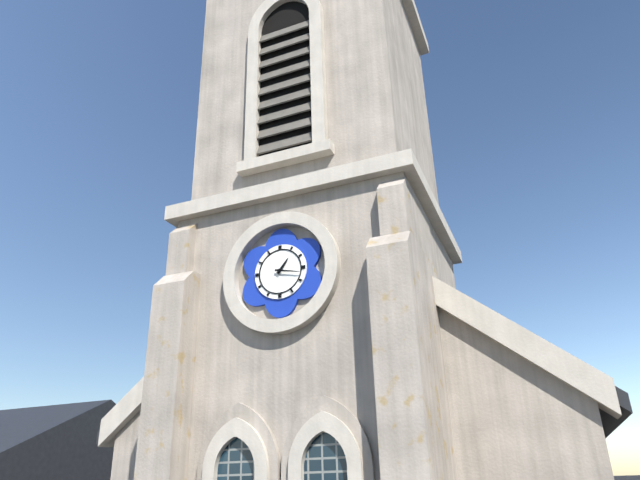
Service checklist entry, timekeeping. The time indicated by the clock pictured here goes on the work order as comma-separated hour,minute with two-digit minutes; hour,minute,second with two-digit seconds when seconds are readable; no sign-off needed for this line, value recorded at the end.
1,17
